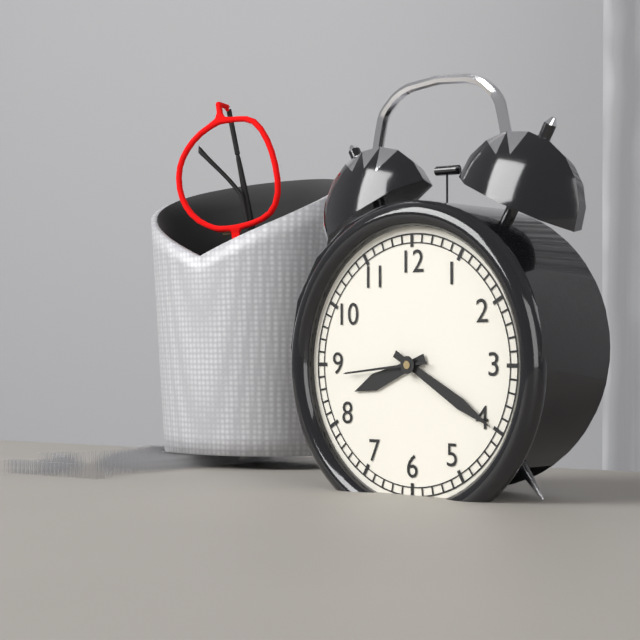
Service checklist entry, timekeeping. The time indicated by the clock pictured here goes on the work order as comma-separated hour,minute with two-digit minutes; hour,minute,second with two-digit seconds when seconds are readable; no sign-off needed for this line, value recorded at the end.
8,20,44
